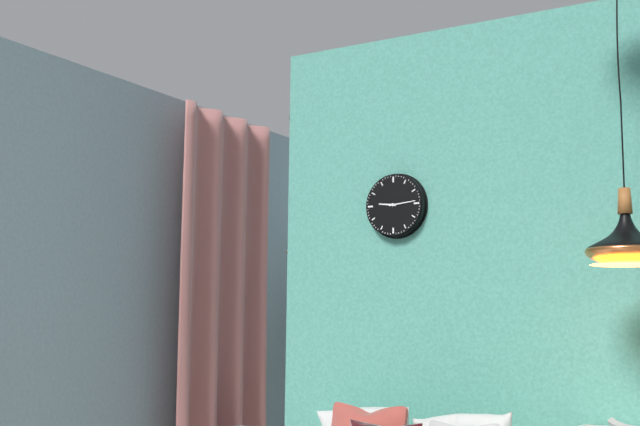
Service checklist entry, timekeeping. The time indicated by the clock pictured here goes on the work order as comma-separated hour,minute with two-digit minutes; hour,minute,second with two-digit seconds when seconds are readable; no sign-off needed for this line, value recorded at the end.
9,14
